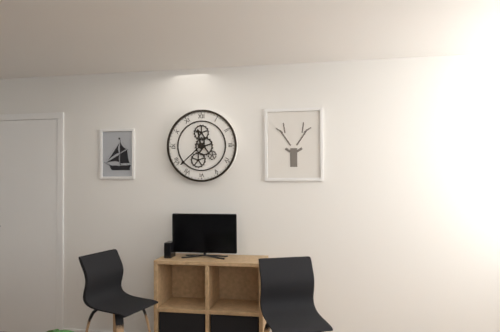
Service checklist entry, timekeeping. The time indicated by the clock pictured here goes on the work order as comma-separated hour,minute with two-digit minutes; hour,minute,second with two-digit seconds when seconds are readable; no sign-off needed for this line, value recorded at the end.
11,38
